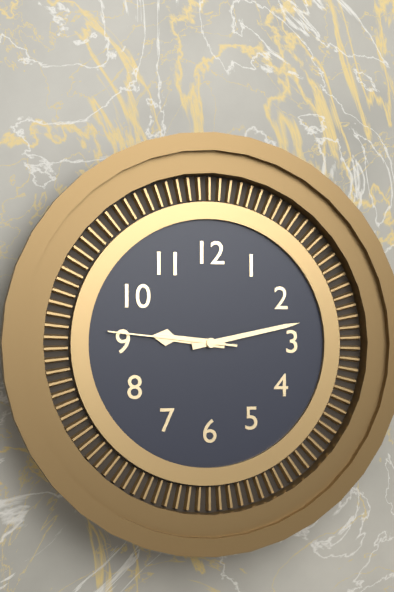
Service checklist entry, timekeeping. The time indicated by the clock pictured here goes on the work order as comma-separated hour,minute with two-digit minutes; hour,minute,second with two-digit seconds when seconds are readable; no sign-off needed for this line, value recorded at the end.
9,13,46
